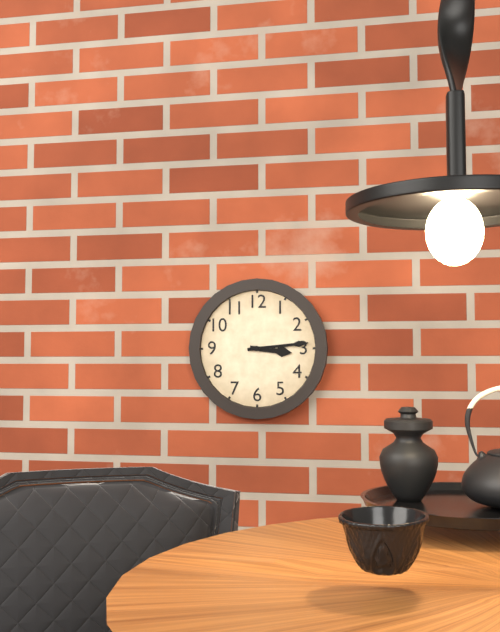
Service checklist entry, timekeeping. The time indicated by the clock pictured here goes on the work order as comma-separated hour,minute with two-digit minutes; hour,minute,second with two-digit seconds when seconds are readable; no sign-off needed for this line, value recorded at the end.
3,14
